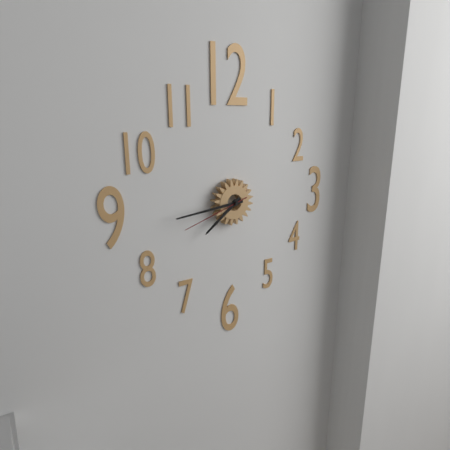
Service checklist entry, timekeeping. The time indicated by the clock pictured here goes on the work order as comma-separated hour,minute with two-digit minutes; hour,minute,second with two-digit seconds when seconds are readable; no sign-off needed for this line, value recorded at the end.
7,44,42
